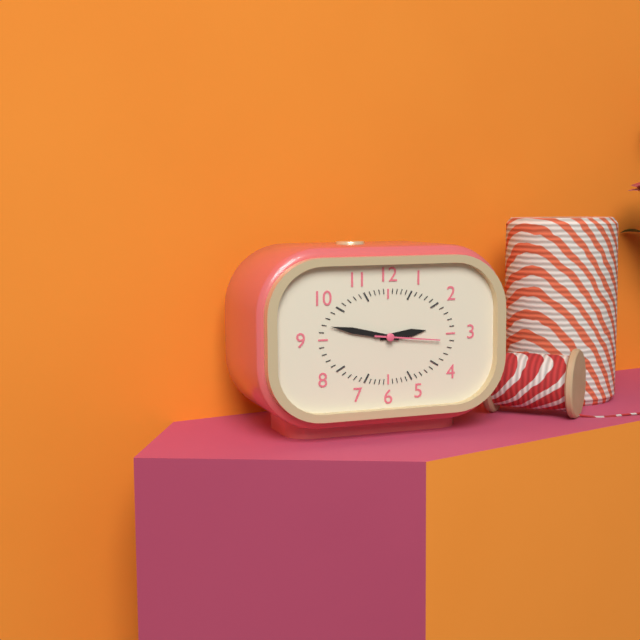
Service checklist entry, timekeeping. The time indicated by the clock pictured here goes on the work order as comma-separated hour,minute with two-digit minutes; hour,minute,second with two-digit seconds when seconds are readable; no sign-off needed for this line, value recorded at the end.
2,47,16
